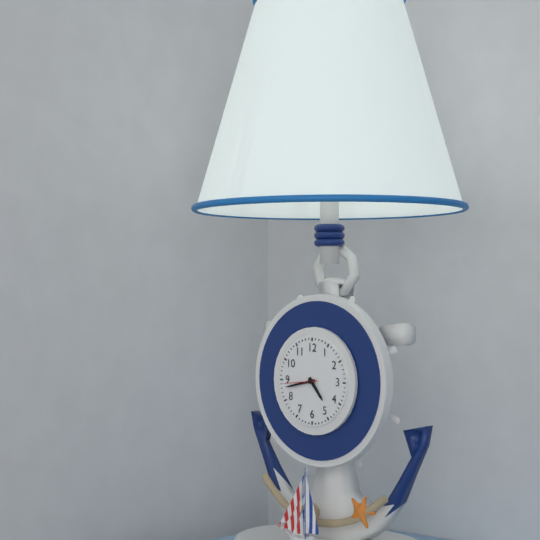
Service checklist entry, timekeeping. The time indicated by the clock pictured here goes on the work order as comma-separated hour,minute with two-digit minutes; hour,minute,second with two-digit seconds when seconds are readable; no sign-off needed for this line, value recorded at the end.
4,43
